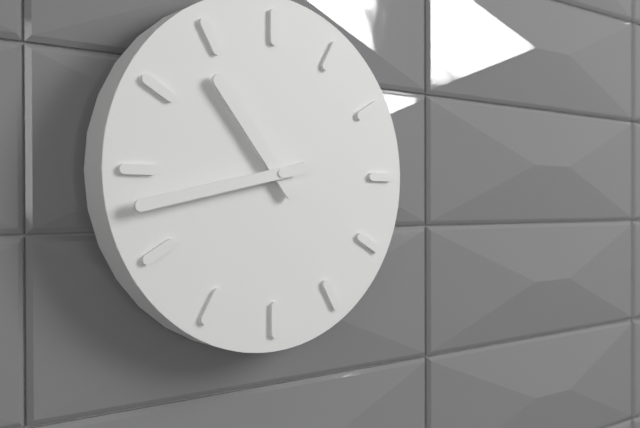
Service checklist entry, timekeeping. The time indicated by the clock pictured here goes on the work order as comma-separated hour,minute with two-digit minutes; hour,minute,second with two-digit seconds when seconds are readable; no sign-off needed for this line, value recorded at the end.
10,43
